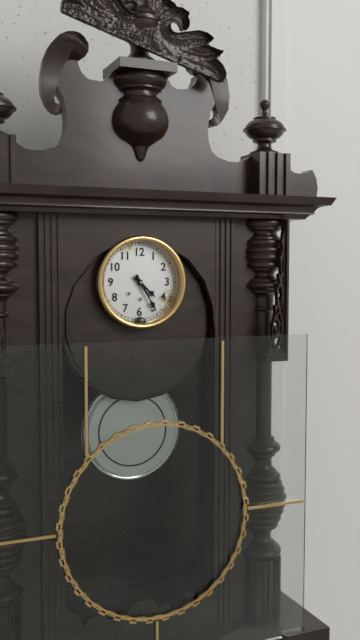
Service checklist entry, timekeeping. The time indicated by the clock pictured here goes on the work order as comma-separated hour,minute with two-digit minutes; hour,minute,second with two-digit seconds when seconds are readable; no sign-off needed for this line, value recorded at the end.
4,25
